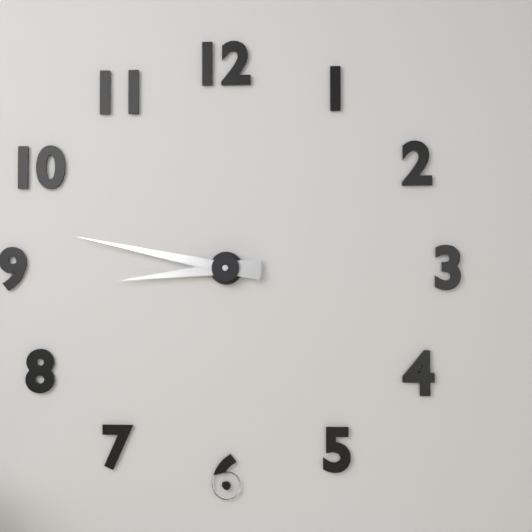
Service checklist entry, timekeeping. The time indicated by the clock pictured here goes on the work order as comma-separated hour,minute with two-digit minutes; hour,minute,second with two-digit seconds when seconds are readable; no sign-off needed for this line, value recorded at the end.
8,47
